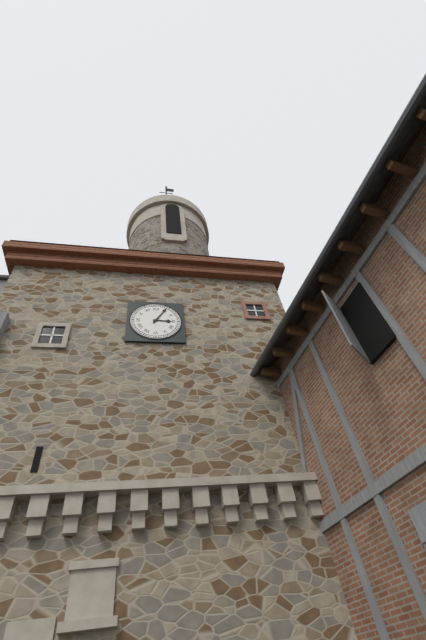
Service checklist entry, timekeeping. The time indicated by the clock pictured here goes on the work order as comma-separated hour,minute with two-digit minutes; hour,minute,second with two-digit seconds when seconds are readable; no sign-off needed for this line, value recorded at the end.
3,05
